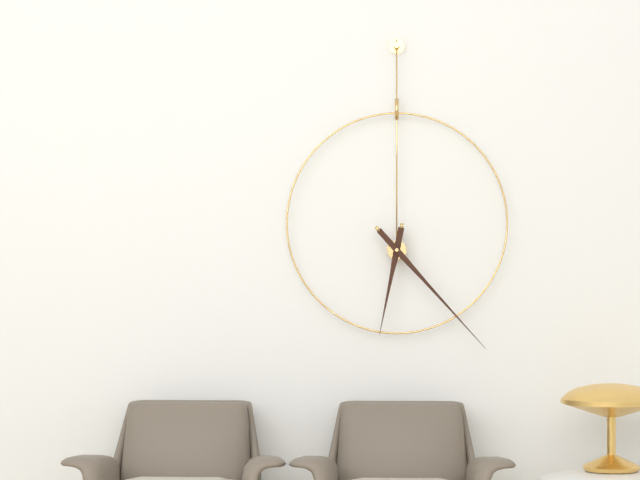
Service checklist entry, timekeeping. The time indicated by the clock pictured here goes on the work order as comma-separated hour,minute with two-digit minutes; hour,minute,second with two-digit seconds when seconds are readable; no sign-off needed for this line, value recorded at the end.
6,23
